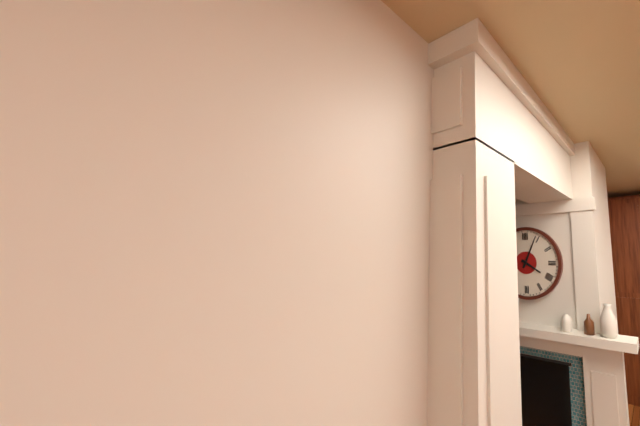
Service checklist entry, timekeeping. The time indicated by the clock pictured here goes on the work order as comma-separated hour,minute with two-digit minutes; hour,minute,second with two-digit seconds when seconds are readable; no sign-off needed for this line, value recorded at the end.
4,04
